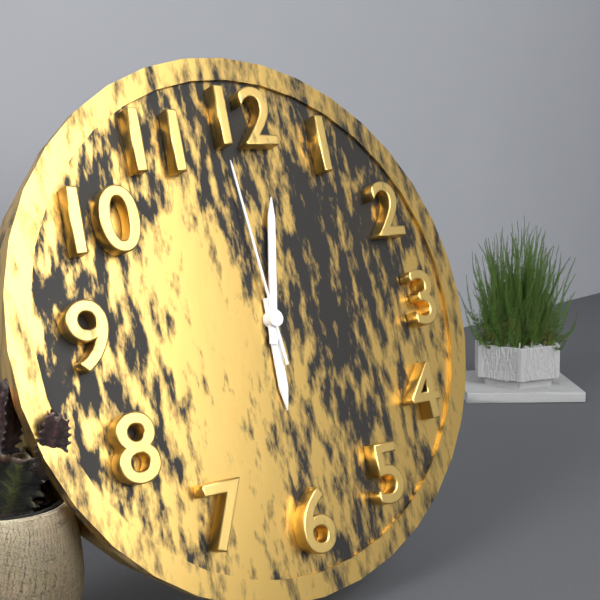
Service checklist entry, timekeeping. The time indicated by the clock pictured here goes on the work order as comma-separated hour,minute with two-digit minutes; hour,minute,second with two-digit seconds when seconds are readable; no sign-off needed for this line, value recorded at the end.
6,02,59
